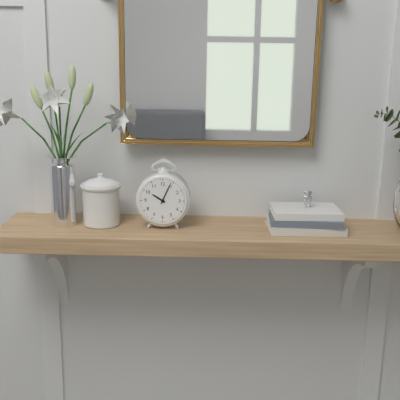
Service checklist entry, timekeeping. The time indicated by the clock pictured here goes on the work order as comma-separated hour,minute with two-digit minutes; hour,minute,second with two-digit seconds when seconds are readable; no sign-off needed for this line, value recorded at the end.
10,04
